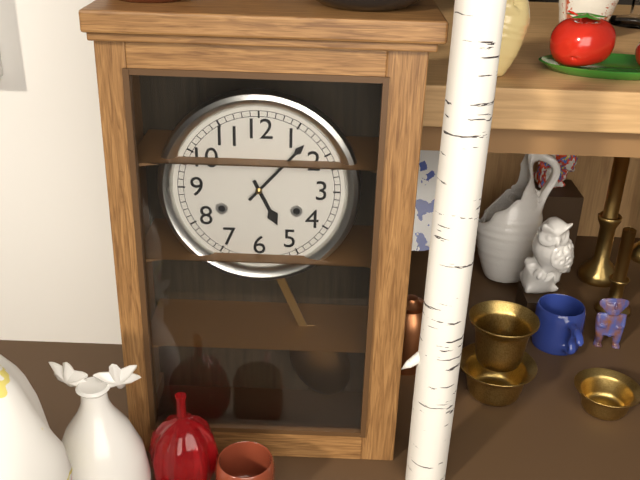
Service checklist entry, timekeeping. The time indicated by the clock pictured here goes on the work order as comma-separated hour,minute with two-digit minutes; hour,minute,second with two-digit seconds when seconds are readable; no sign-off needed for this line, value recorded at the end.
5,07
